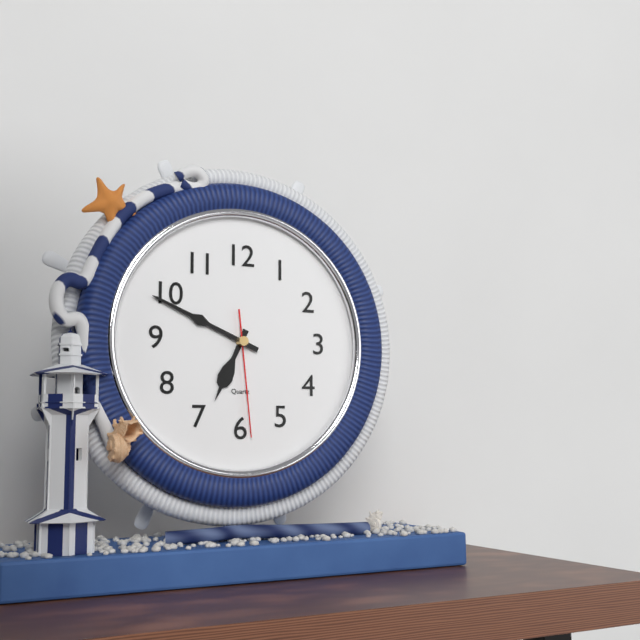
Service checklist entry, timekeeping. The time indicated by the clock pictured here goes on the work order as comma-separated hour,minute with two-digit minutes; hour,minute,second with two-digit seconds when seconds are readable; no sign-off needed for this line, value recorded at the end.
6,49,29
